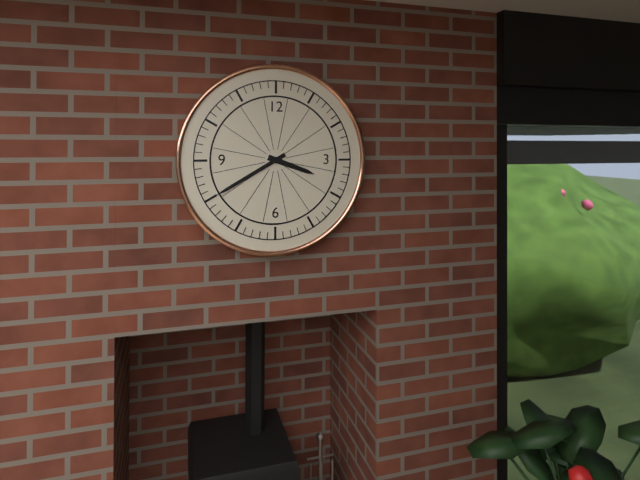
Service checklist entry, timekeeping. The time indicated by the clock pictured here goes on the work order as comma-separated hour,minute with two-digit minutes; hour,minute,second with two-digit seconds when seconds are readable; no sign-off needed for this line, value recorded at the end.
3,40
